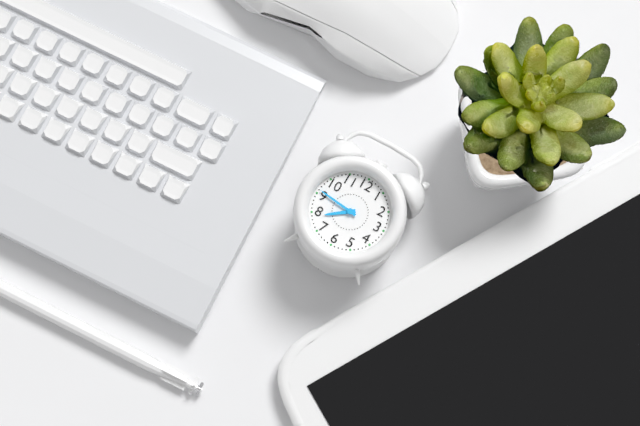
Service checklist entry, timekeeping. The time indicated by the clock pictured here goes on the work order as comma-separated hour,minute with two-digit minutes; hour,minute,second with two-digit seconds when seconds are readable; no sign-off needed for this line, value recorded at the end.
7,46
